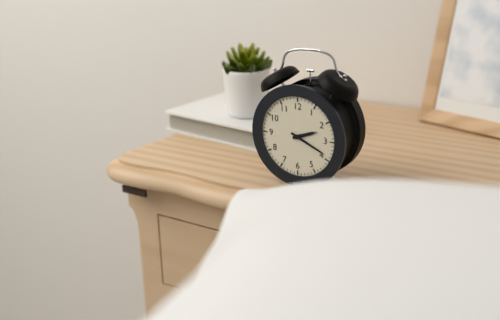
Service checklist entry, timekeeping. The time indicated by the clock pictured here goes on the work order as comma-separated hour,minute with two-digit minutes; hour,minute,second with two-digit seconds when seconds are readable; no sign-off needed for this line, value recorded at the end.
2,19
